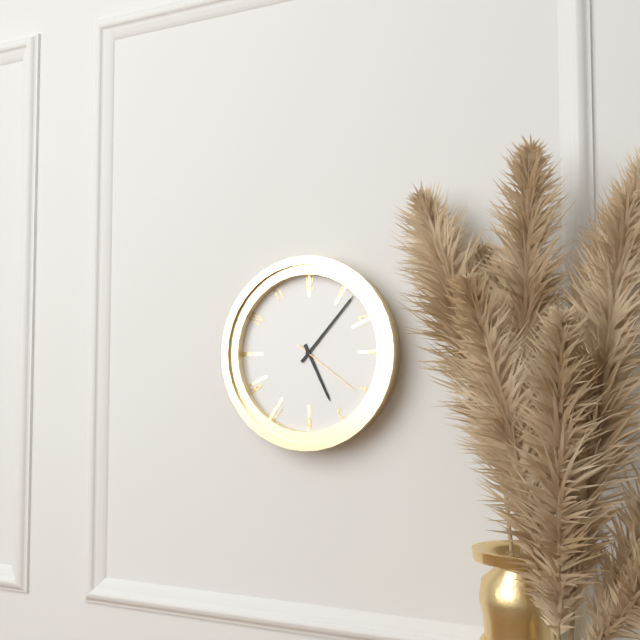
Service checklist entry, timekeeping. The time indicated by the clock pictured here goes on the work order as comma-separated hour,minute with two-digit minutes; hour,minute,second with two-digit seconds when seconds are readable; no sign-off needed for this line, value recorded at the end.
5,07,21
